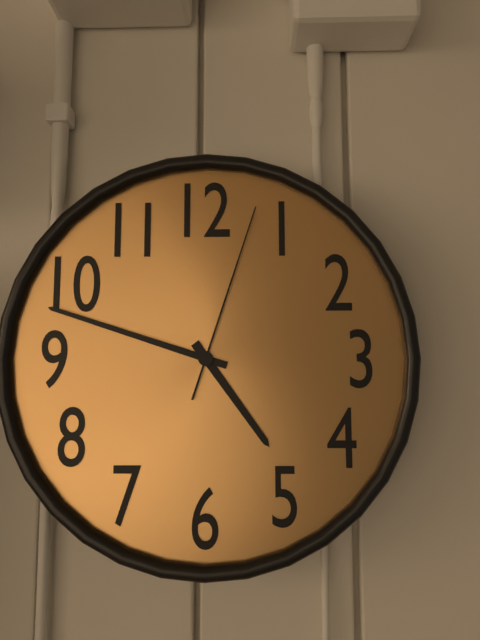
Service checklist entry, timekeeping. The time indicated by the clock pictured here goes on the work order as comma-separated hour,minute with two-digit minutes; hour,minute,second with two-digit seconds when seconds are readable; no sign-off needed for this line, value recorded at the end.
4,48,03
